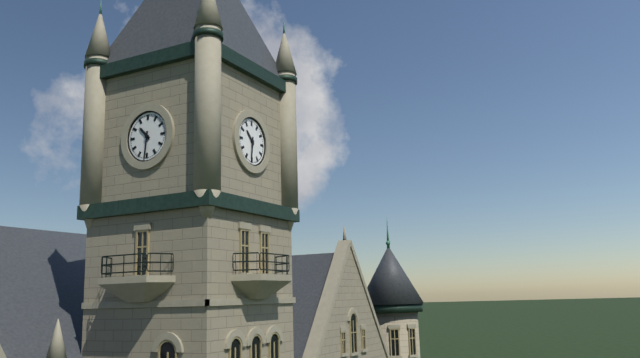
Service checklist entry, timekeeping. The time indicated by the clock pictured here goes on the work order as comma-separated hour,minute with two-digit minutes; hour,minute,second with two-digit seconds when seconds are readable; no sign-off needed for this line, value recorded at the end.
10,31
